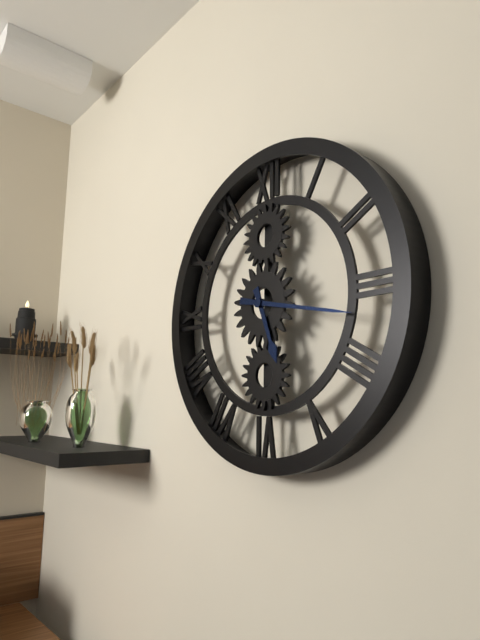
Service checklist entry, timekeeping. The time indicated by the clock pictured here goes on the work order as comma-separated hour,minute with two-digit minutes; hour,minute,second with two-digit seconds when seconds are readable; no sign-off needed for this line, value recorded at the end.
5,17
